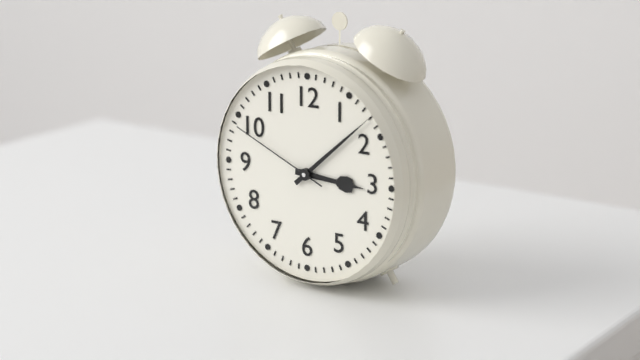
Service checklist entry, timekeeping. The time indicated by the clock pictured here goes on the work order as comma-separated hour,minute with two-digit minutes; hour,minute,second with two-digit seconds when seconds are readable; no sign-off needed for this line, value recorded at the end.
3,08,49
